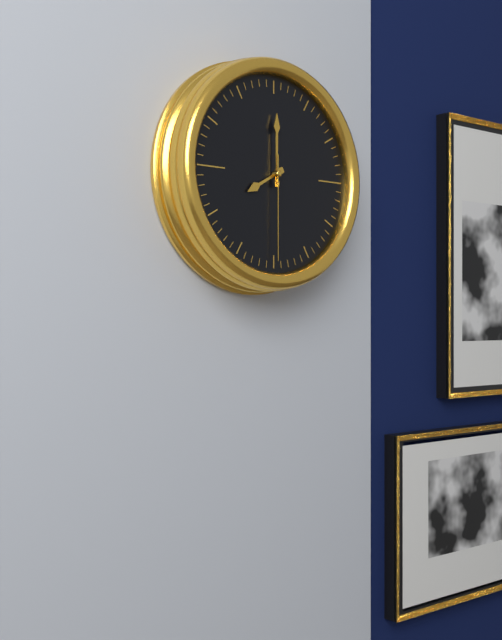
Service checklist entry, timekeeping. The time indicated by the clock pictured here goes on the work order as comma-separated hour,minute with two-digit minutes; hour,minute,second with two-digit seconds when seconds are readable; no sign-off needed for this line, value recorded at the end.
8,00,30
